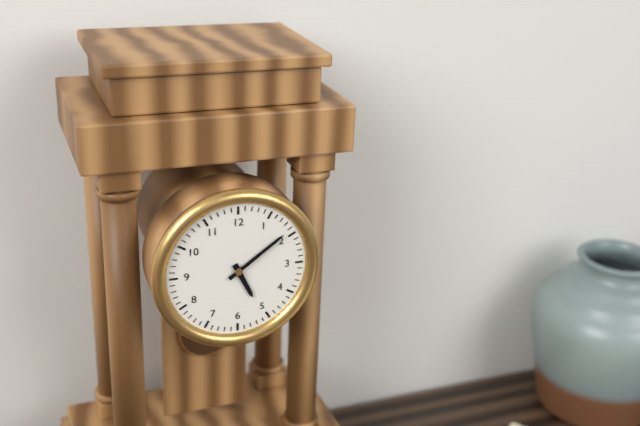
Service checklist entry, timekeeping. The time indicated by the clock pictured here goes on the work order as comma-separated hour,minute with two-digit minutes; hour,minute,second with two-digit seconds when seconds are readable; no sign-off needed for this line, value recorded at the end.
5,09
